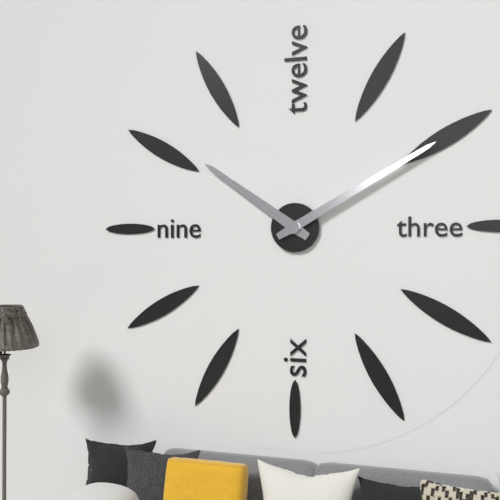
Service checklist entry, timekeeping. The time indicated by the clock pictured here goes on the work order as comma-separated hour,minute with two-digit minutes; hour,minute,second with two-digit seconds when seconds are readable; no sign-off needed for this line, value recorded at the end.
10,10
